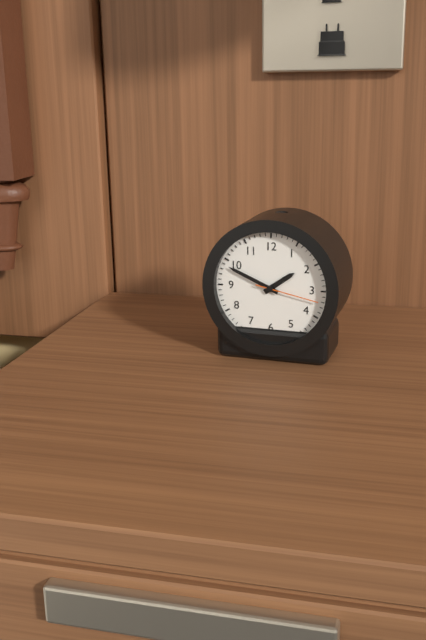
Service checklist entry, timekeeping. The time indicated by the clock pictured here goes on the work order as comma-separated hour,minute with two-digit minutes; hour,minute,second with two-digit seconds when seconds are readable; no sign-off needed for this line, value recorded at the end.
1,49,17
